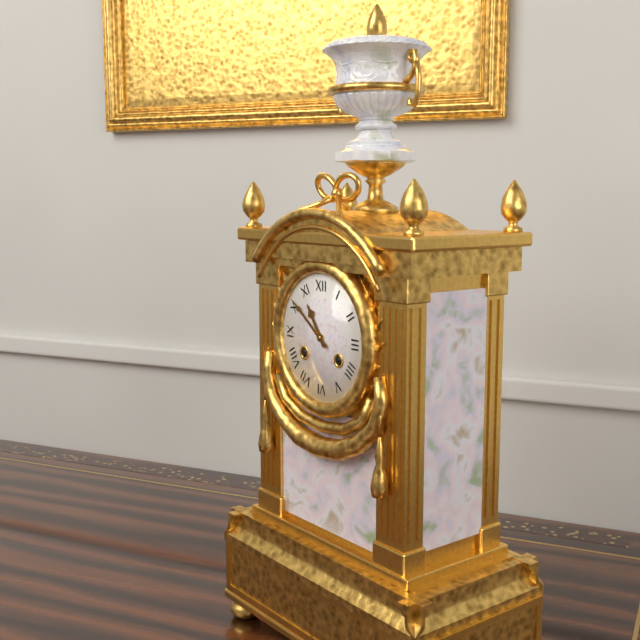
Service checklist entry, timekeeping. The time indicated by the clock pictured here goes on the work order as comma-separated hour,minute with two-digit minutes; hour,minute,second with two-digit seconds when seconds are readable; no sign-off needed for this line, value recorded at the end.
10,51
